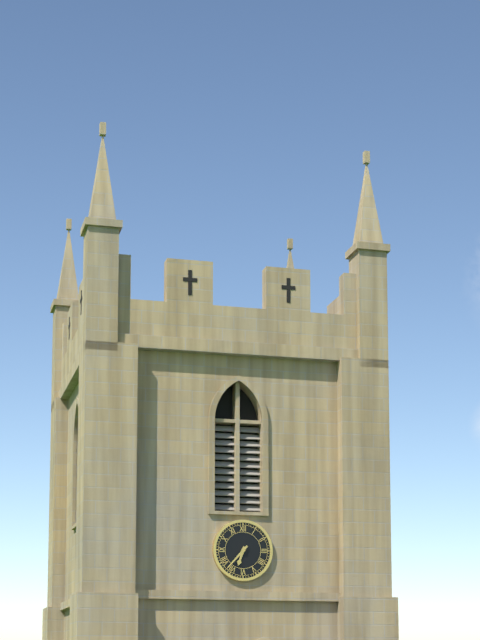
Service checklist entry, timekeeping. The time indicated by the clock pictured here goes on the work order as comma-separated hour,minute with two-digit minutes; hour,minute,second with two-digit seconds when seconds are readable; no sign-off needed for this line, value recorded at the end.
6,37
